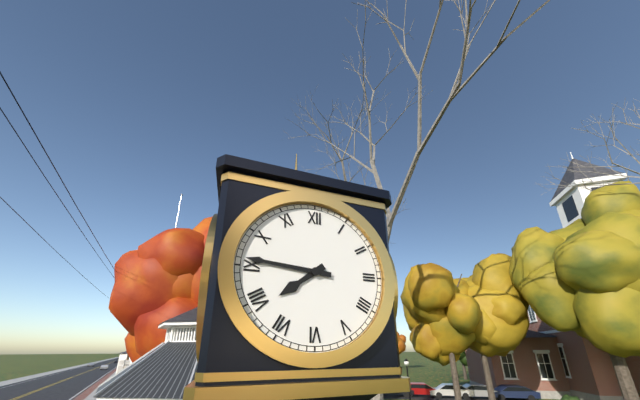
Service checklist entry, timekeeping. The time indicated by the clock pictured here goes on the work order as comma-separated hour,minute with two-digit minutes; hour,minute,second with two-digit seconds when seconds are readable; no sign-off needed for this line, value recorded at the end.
7,46
